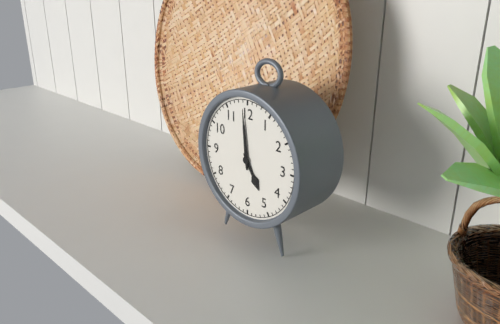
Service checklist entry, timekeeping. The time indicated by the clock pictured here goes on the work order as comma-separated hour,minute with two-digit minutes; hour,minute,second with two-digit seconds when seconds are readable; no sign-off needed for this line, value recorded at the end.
4,59
